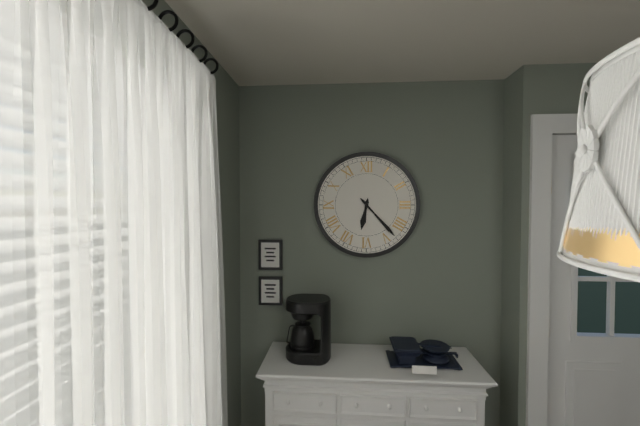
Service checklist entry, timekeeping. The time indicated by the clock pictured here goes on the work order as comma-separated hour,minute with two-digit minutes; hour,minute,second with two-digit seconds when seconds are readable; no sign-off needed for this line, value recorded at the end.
6,23
